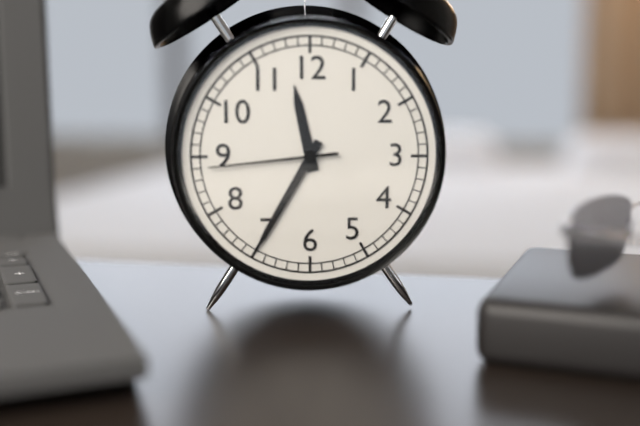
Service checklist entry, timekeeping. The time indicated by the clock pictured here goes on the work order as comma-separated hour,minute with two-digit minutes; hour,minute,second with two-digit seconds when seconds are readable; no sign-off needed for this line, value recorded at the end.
11,35,44
